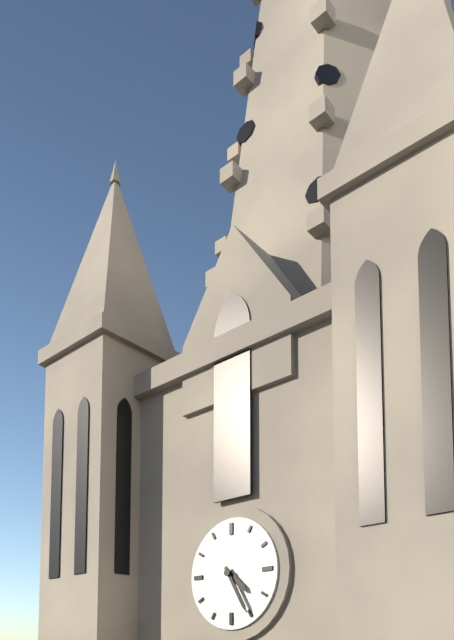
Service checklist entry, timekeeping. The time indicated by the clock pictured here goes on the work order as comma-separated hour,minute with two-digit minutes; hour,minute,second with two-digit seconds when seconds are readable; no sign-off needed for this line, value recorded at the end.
4,25
